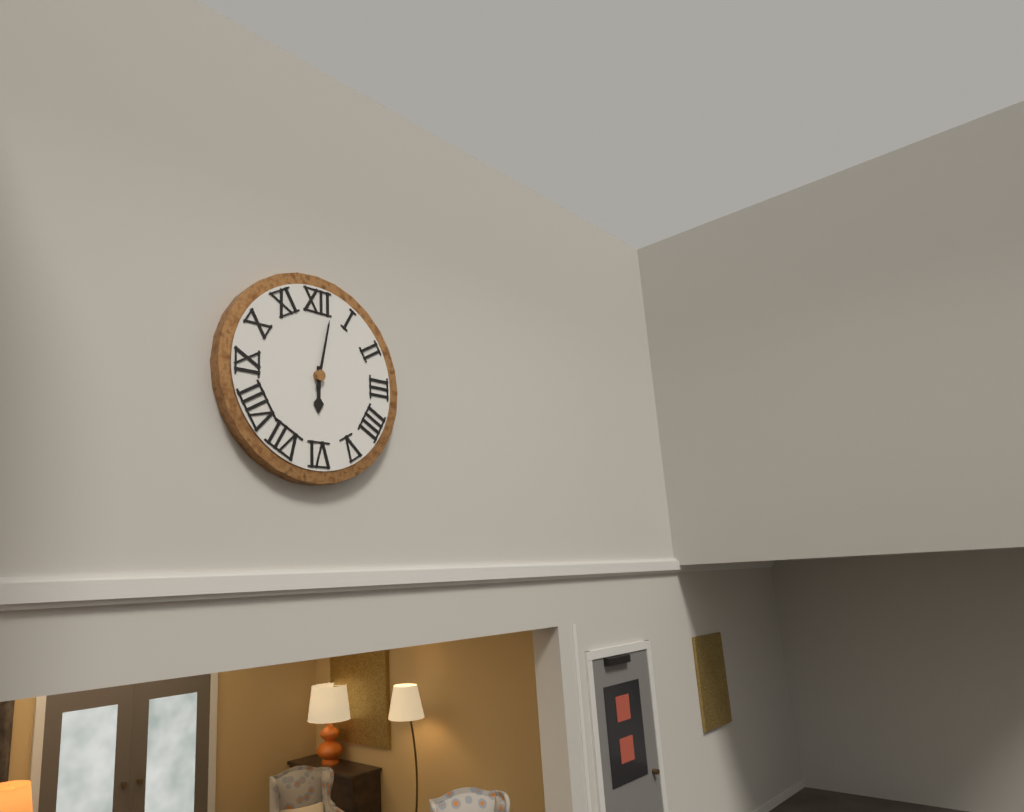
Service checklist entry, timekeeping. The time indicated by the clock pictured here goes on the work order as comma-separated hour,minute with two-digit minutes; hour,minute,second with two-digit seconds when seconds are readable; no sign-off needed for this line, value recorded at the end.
6,02
